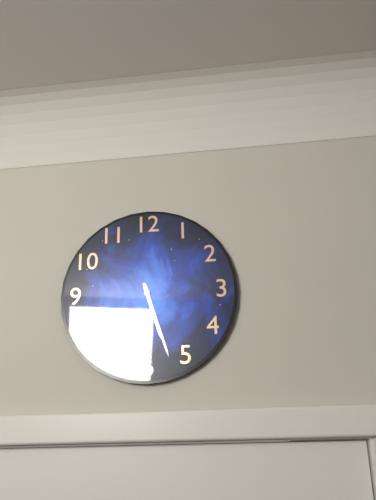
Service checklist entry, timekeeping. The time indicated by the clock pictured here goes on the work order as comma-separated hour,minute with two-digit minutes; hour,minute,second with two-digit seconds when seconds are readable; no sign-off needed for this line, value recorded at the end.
5,27
